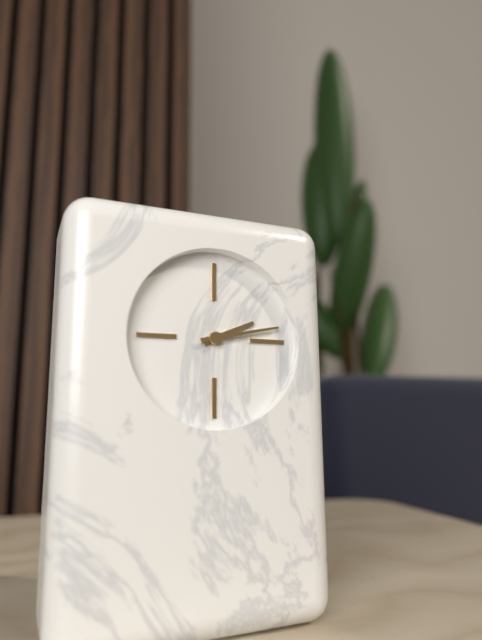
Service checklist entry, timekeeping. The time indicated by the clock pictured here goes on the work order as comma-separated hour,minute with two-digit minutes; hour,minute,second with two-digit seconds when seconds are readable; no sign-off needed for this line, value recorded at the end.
2,13
